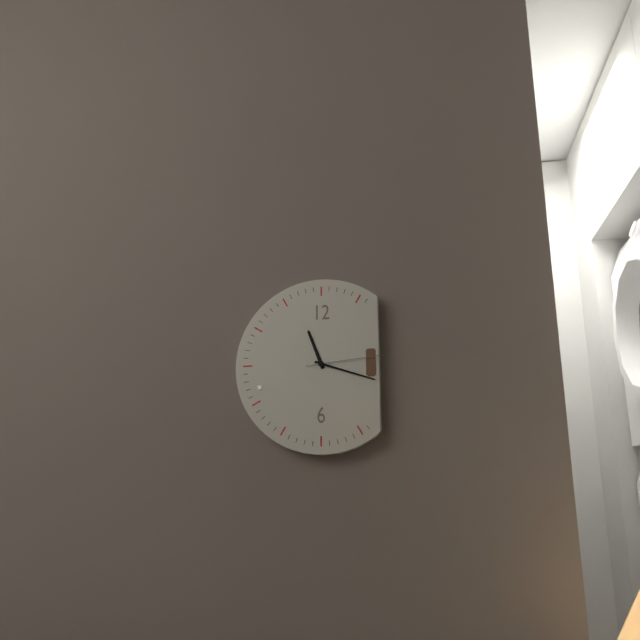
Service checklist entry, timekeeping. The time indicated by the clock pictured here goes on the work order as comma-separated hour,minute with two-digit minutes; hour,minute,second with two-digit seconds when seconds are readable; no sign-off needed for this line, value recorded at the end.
11,18,14
